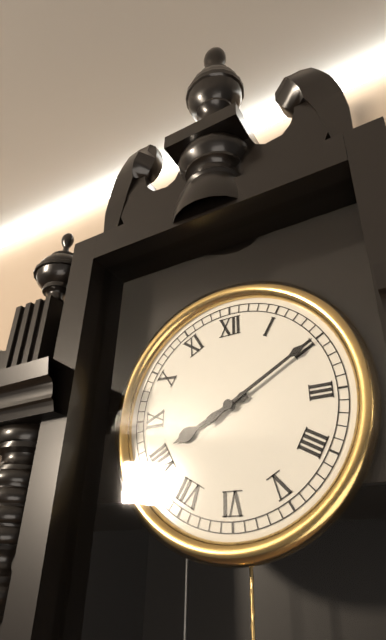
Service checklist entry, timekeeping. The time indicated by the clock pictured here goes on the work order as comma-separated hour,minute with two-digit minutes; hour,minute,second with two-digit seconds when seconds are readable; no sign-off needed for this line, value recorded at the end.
8,10
